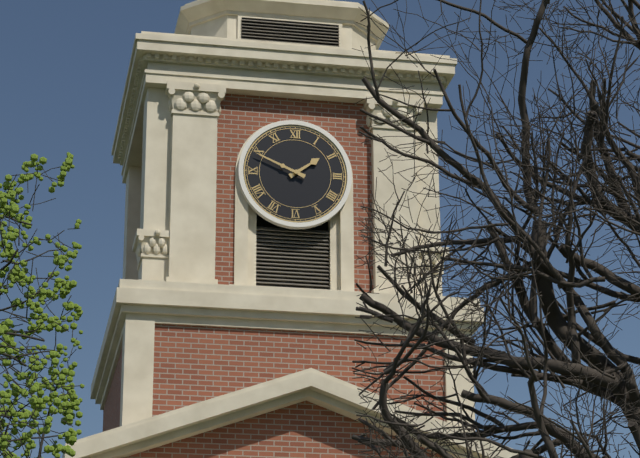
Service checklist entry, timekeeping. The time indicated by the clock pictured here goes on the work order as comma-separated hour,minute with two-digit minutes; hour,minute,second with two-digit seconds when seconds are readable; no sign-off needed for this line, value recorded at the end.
1,49
